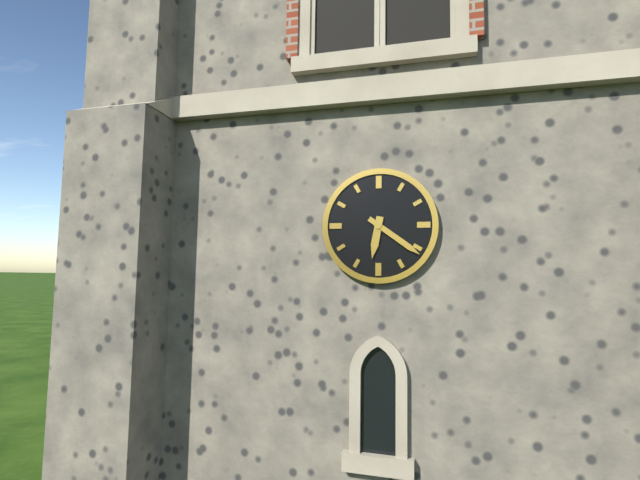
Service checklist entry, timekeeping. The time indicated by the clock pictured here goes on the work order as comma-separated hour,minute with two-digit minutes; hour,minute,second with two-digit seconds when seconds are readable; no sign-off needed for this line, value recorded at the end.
6,21
